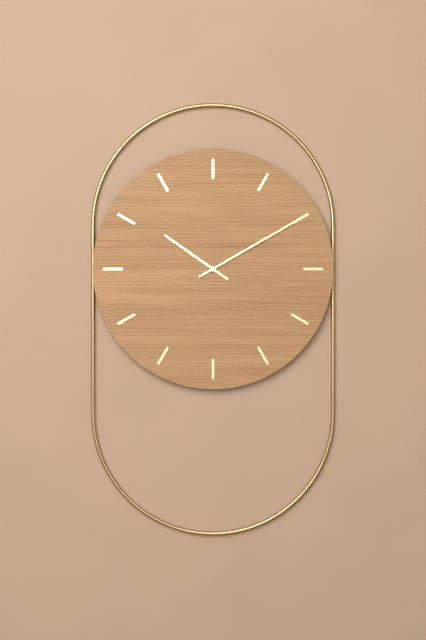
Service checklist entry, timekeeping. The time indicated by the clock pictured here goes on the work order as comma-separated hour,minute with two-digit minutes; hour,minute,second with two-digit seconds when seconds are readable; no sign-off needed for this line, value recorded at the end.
10,10
